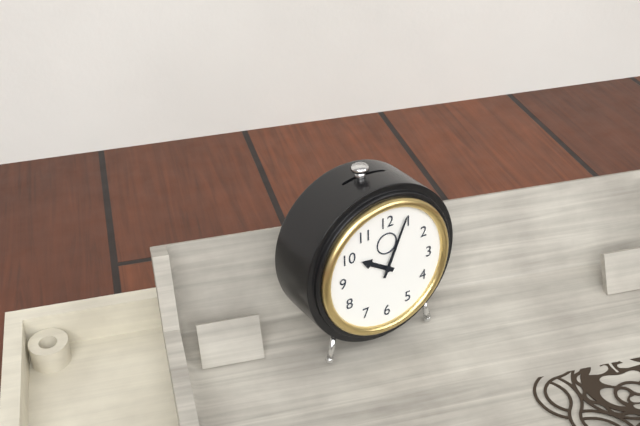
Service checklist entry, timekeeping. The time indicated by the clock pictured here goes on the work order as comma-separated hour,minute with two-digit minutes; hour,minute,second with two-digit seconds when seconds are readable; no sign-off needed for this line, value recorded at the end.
10,04
